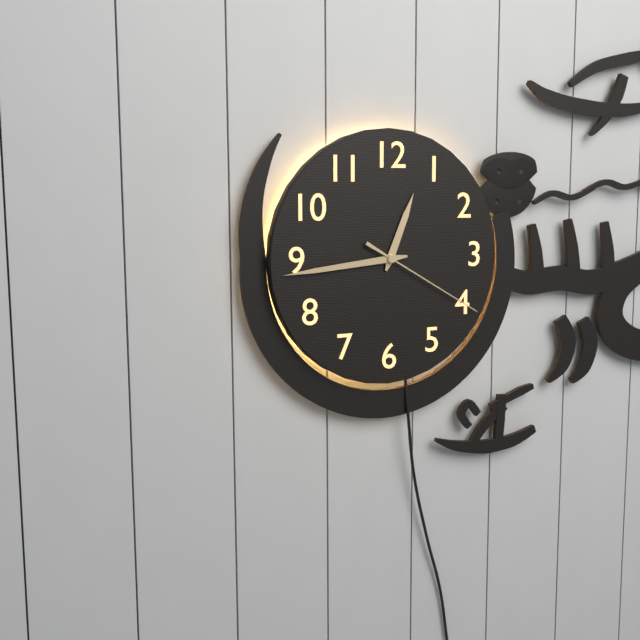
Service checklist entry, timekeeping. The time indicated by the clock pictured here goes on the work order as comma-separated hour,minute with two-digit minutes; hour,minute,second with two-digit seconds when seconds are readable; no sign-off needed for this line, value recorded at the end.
12,44,20
